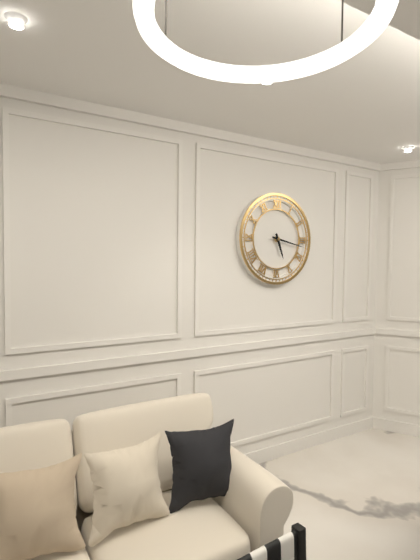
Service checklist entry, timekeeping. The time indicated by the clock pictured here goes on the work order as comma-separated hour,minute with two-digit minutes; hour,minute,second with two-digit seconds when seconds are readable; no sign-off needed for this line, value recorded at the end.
5,17
